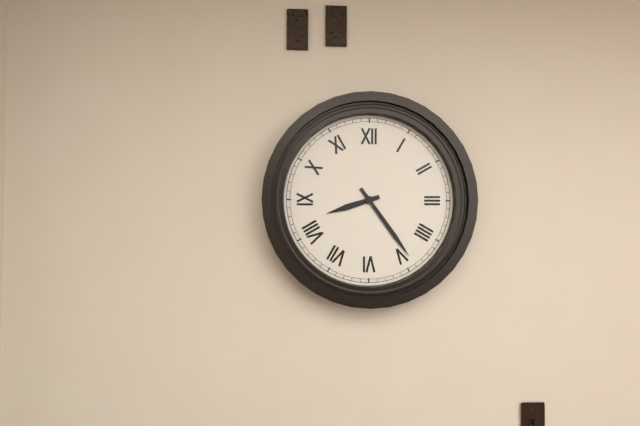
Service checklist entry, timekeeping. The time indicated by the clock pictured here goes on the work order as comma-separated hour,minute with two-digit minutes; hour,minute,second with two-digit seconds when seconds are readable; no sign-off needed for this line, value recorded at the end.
8,24
